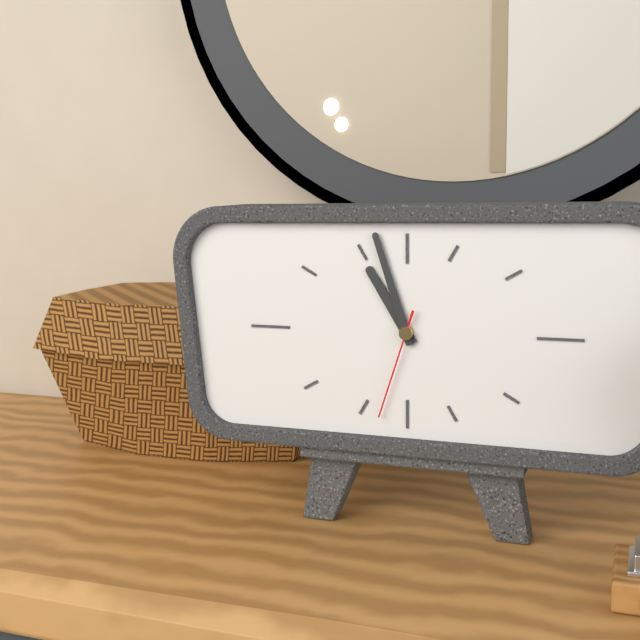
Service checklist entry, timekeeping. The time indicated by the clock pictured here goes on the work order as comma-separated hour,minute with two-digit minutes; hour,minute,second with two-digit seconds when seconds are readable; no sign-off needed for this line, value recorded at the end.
10,57,33
